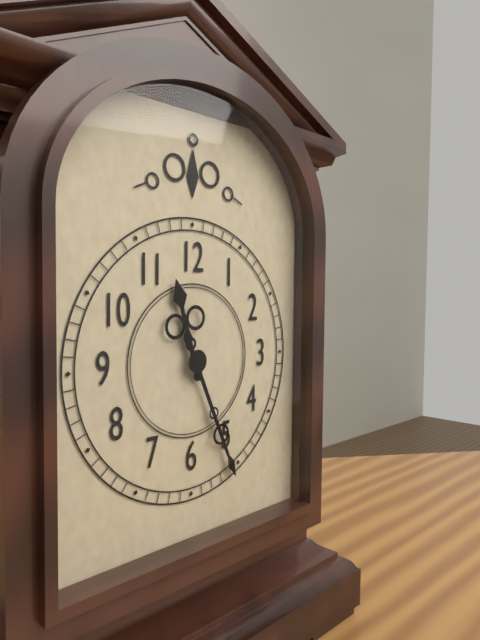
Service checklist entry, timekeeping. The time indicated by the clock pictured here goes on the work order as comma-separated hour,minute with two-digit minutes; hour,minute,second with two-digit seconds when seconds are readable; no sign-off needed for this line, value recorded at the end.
11,26
